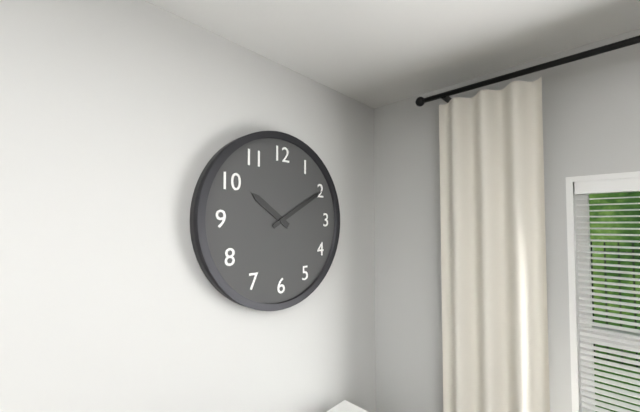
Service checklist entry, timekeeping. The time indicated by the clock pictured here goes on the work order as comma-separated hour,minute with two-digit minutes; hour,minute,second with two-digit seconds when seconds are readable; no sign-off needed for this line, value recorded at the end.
10,10
